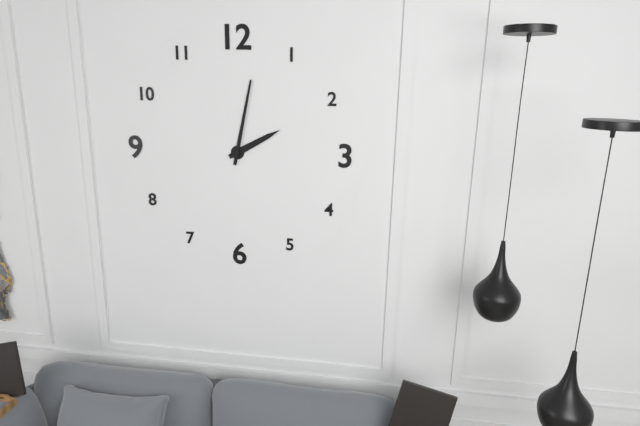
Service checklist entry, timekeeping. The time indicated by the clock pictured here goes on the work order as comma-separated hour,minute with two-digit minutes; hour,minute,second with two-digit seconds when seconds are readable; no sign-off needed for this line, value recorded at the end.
2,02
